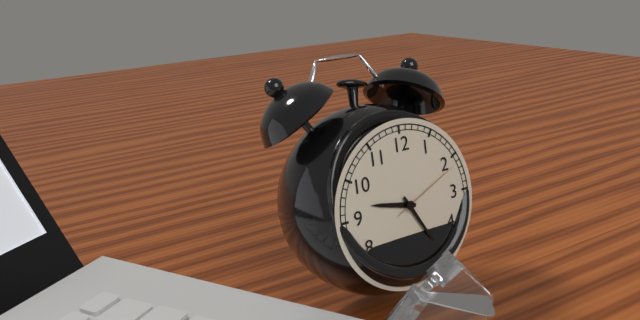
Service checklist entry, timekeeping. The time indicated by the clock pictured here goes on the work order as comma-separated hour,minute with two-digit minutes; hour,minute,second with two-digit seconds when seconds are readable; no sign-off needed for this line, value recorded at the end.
9,25,11
